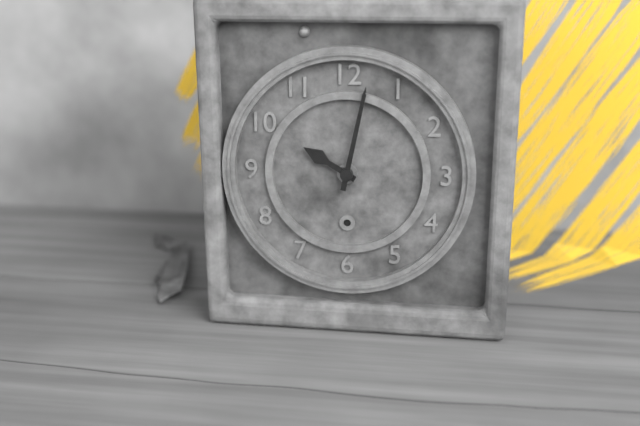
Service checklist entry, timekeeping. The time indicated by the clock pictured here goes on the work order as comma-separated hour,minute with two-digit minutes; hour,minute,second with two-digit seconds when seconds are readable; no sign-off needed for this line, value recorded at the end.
10,02
